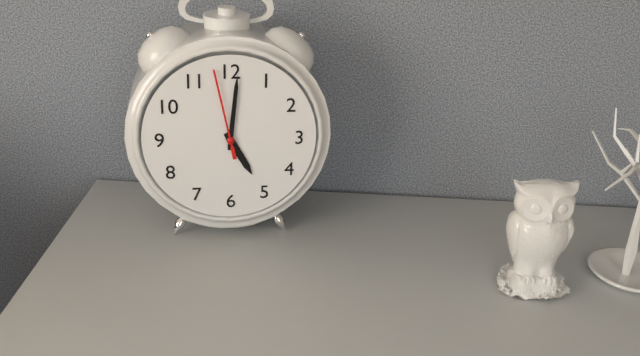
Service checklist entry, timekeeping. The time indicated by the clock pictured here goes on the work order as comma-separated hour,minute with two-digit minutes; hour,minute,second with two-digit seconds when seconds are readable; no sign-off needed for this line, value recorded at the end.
5,01,58
